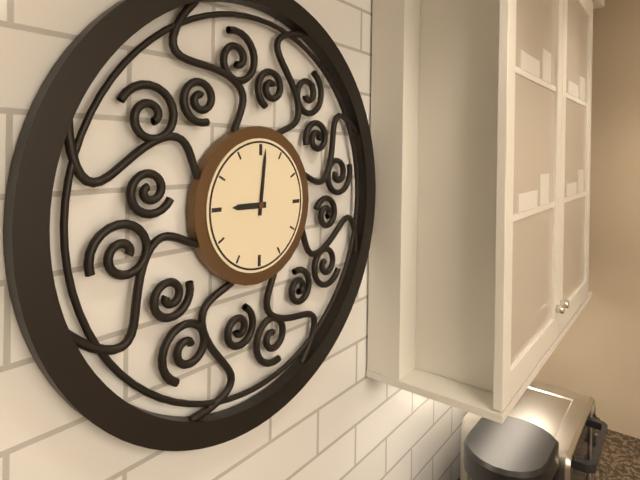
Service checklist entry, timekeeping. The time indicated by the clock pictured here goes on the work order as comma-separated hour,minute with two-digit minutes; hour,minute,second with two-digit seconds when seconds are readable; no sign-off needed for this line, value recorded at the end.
9,01
